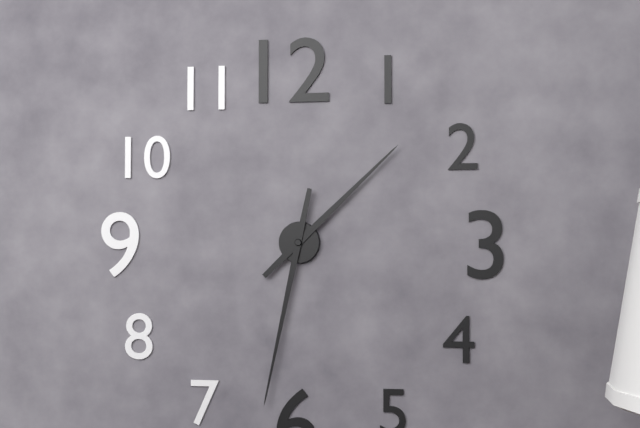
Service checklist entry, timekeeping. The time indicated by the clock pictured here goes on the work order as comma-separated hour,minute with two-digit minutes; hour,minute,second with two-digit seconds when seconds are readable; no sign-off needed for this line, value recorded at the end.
1,32
